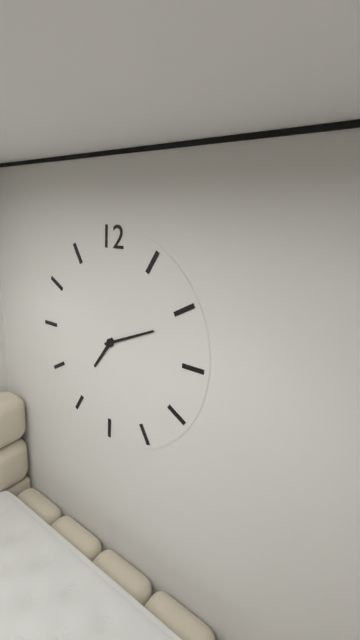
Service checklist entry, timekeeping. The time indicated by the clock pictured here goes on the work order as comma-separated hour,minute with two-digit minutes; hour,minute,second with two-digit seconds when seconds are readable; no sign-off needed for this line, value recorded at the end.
7,11
